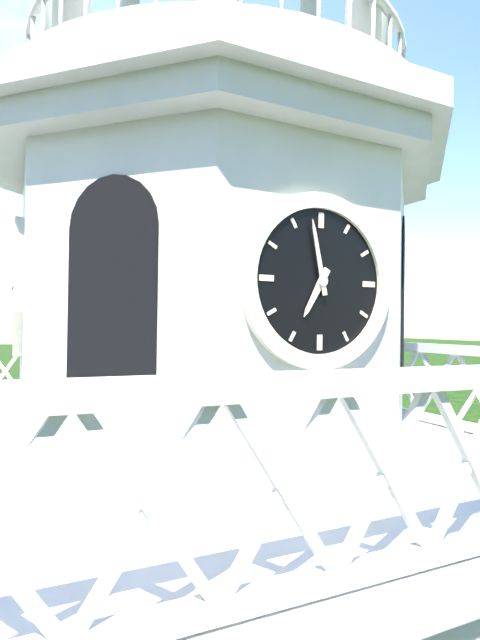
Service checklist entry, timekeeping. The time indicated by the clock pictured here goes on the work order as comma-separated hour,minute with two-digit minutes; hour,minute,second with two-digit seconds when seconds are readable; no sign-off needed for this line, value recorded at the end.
6,58
